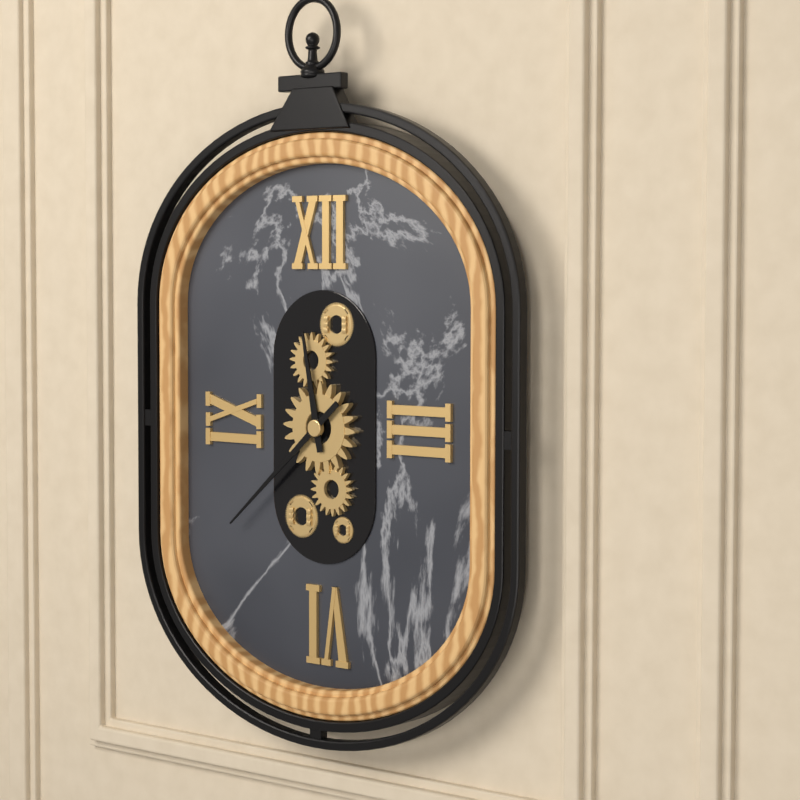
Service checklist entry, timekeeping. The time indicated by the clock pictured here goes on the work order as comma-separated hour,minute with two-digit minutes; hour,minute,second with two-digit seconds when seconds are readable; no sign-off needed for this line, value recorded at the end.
11,38
